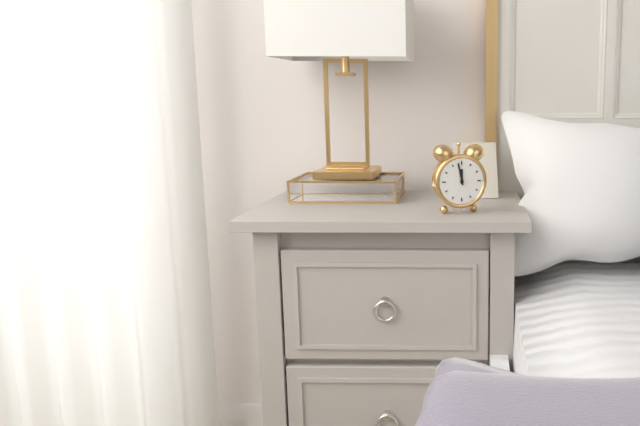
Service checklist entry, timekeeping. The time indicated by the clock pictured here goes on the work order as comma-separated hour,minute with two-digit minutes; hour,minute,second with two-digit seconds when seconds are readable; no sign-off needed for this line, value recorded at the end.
11,58
